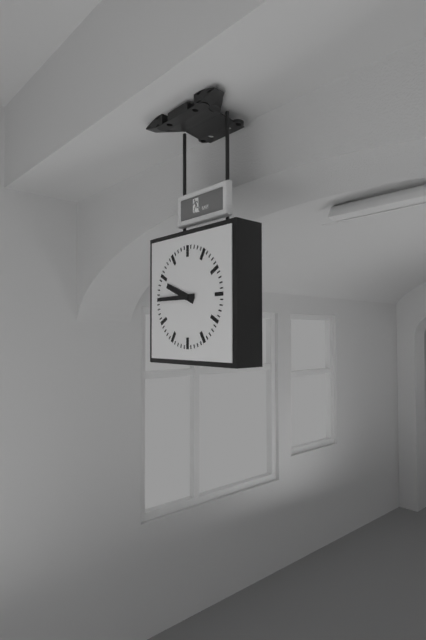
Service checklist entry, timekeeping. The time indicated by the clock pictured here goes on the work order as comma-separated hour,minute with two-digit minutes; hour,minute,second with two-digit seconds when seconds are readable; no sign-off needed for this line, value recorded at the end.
9,45
